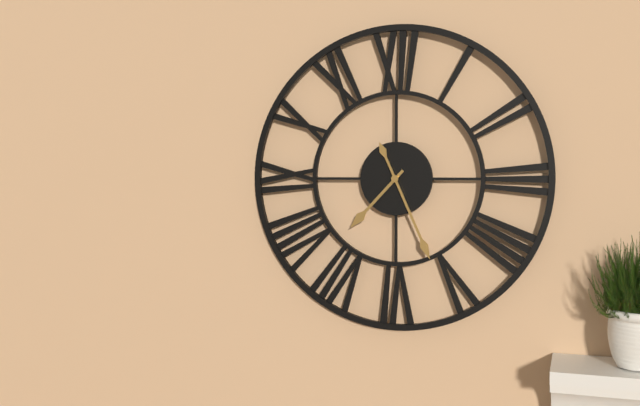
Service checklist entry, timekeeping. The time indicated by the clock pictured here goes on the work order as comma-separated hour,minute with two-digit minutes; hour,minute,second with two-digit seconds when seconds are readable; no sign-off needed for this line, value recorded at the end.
7,26
